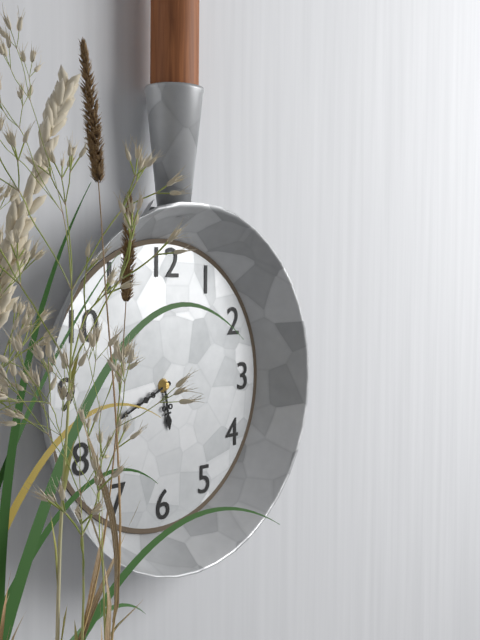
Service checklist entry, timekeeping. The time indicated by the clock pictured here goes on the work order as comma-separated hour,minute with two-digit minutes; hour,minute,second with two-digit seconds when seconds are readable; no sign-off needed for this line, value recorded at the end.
5,41
